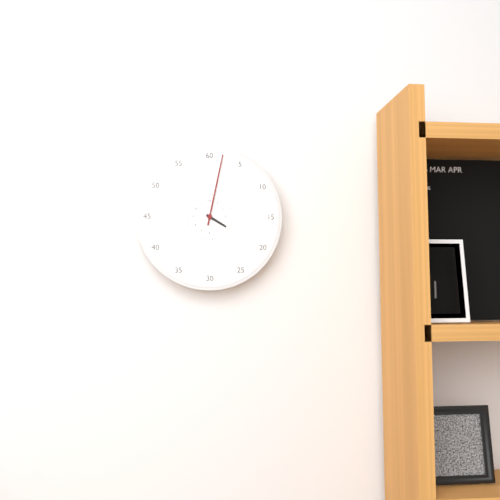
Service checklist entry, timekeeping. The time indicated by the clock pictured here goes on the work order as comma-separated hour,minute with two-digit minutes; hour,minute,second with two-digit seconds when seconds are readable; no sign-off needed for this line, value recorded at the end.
4,02
